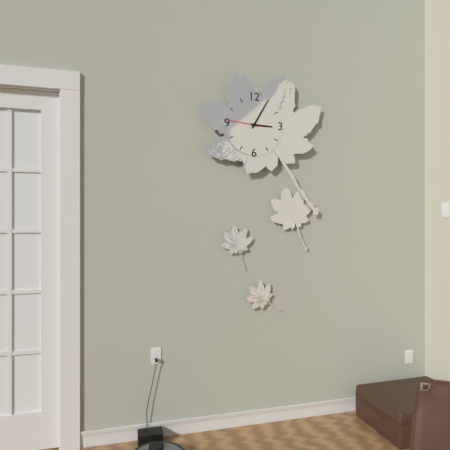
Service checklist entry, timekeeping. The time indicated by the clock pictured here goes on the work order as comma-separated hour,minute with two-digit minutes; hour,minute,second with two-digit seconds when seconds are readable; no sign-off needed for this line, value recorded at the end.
3,05
